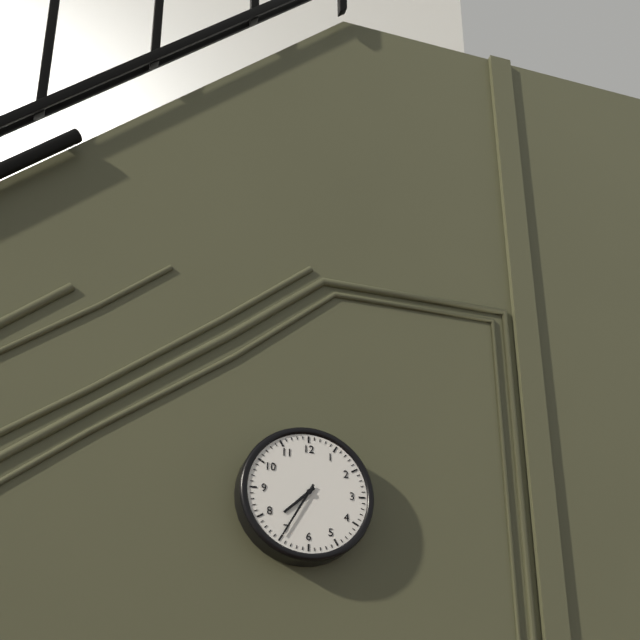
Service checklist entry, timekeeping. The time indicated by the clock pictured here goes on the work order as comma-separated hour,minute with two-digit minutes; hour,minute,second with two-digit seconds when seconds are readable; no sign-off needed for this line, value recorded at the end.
7,35
